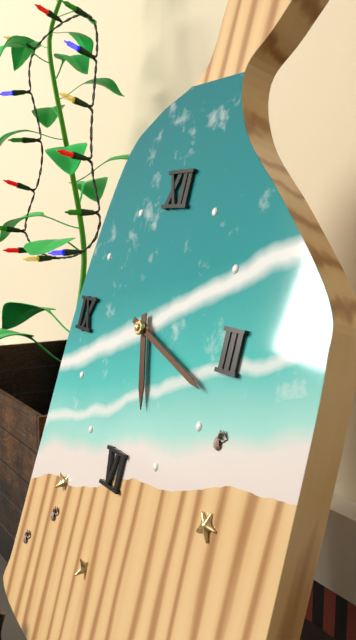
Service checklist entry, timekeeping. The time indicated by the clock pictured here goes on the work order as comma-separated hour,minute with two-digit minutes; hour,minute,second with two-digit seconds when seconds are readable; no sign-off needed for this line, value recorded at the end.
5,18
